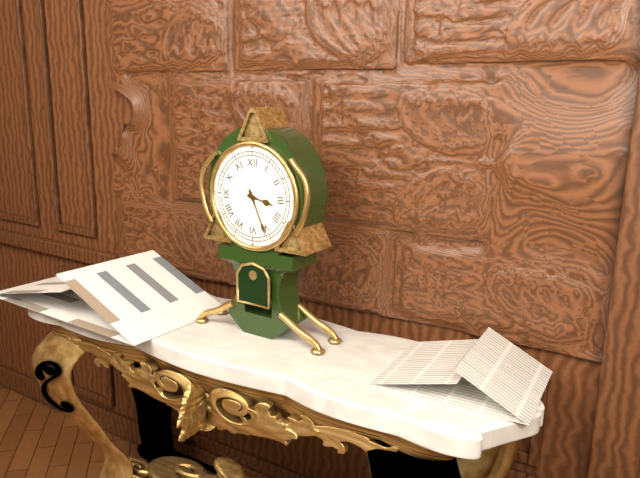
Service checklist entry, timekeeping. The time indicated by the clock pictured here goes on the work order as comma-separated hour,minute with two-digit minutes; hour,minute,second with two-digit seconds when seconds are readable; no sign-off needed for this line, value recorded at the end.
3,26
